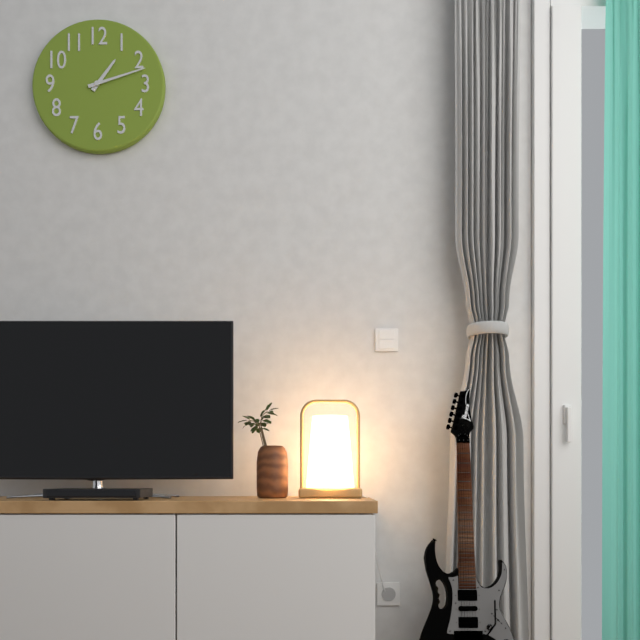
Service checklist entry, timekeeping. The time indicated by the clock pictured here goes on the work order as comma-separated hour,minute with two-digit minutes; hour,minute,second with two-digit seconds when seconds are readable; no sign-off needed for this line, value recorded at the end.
1,12
